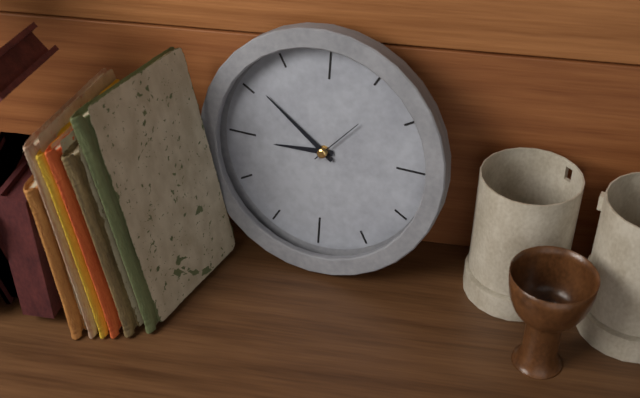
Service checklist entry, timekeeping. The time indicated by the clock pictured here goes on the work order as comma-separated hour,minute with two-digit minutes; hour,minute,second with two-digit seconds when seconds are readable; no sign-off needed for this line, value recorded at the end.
8,51,07
